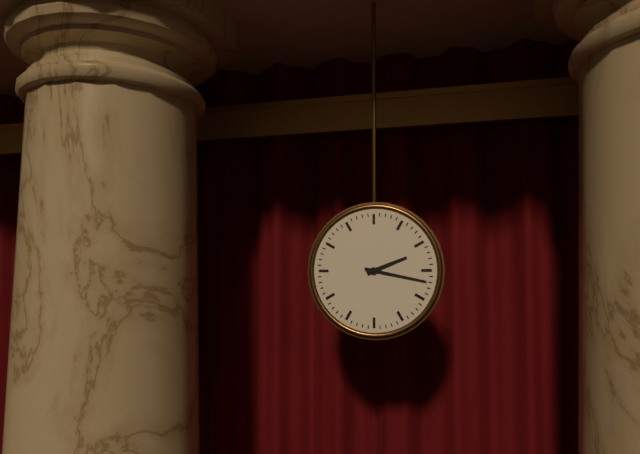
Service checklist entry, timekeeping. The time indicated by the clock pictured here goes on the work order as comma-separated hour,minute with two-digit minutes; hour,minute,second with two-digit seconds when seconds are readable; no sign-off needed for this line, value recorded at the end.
2,17
